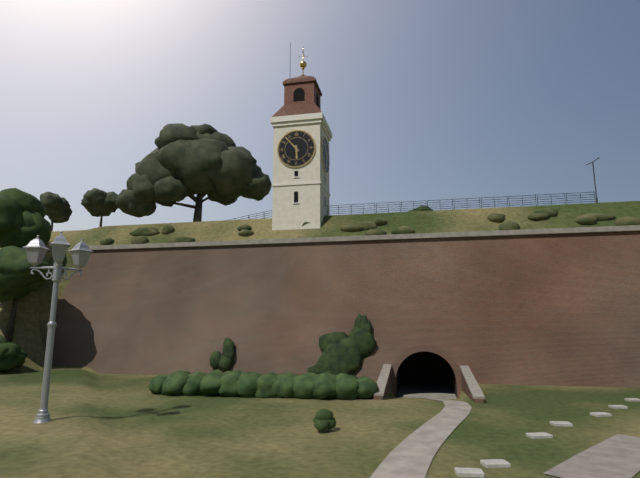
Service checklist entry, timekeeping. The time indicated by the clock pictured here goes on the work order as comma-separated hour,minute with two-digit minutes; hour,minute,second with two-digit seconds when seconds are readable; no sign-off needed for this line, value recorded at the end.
5,53
